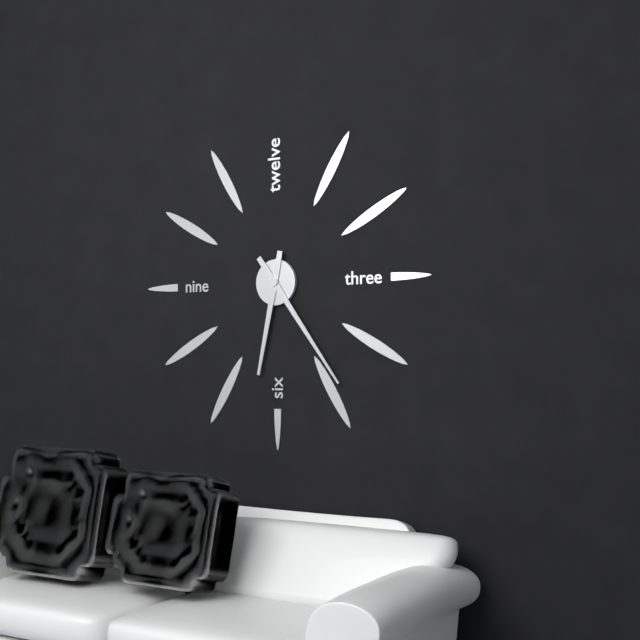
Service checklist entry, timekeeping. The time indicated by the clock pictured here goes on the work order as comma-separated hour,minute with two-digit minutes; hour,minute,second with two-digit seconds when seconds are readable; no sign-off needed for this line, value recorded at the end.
6,24
